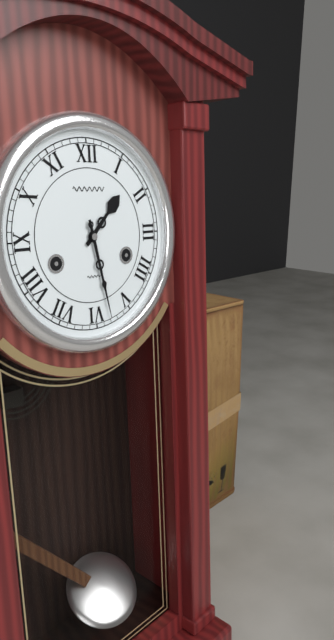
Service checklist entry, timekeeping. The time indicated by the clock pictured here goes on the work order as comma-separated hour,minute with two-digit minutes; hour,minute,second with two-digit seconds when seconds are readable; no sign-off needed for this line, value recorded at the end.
1,28
